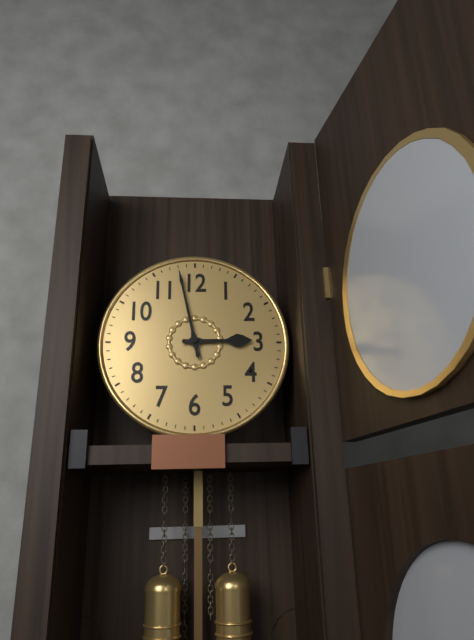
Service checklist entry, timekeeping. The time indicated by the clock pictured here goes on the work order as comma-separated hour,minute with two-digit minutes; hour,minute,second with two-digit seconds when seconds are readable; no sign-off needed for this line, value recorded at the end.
2,58
